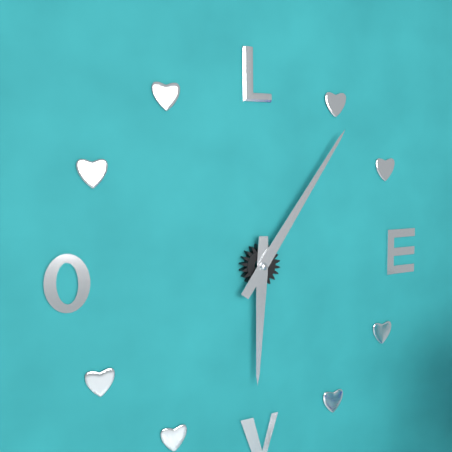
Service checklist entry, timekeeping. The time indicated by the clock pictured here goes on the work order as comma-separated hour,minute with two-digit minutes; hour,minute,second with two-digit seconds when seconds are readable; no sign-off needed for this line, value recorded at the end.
6,06
